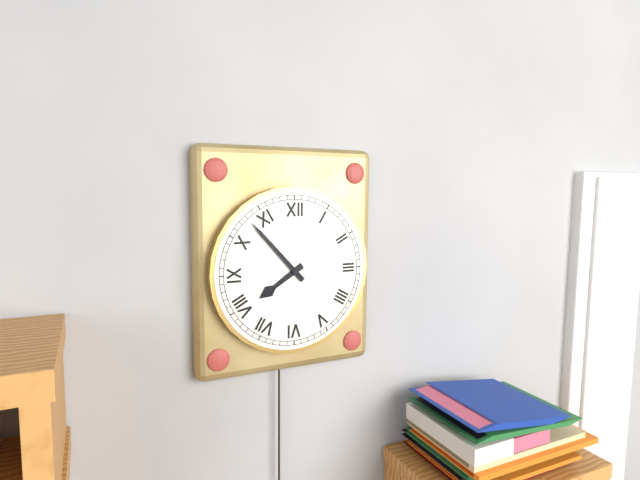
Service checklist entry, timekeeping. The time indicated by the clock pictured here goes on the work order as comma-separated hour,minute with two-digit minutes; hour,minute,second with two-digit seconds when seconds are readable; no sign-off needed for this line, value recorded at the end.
7,53
